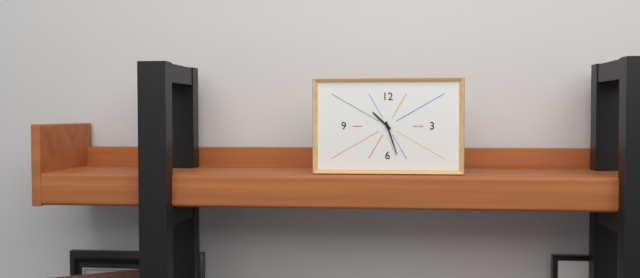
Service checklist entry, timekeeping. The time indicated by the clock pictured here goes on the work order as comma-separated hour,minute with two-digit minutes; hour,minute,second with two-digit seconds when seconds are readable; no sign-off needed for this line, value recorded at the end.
10,27
